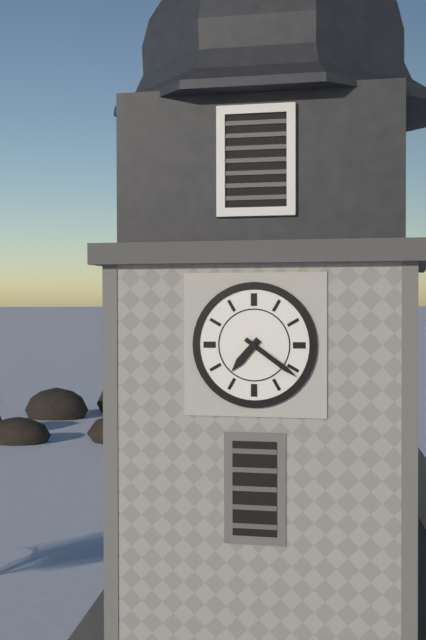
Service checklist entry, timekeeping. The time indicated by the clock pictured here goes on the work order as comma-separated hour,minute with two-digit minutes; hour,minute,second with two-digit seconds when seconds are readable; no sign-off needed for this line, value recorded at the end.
7,21
